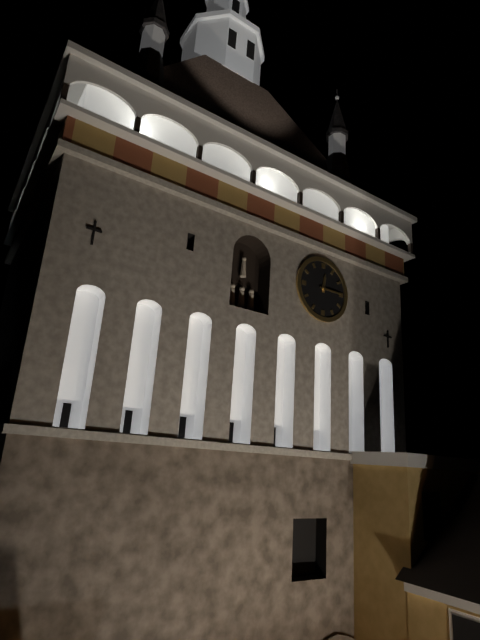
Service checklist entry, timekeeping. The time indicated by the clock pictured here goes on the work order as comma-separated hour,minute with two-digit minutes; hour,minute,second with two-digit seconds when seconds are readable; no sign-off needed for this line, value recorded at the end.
12,15
